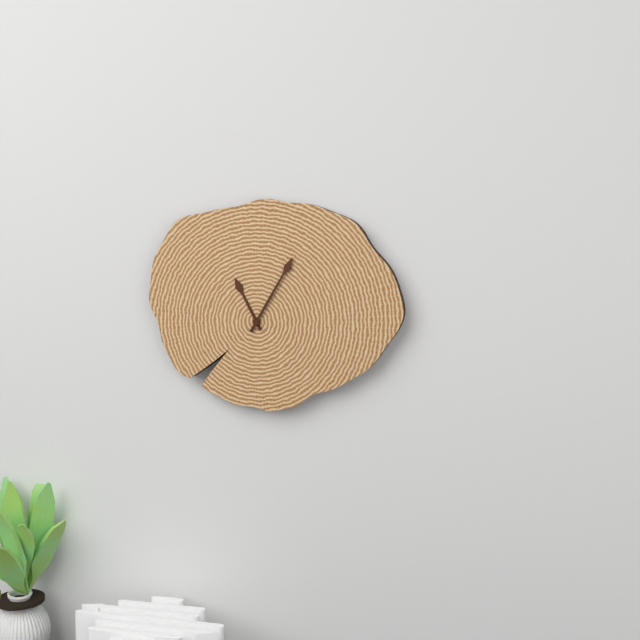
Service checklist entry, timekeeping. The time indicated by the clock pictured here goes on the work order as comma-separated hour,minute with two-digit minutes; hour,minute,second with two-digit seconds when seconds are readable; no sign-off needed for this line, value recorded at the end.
11,05
